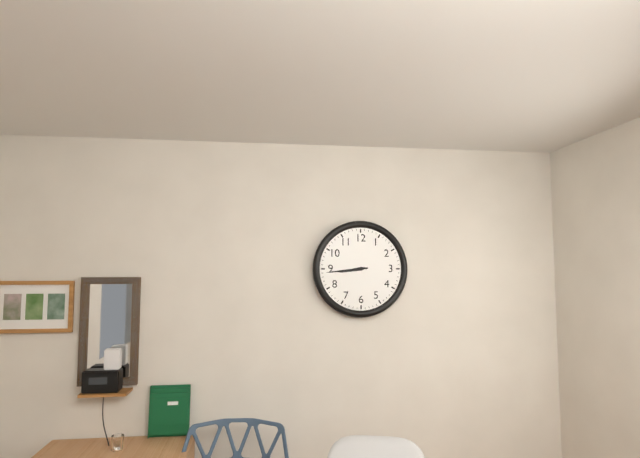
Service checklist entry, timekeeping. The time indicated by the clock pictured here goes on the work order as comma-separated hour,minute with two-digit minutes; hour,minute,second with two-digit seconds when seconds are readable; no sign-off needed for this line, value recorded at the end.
8,44
